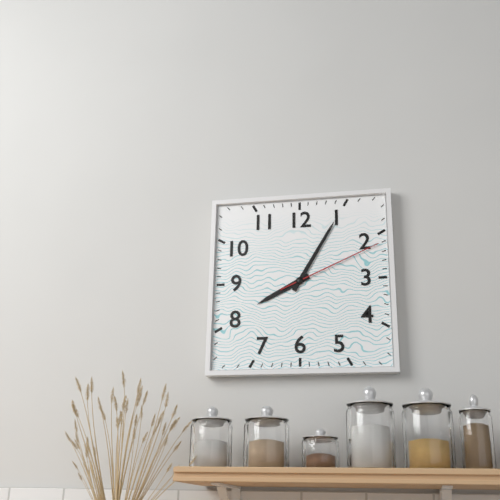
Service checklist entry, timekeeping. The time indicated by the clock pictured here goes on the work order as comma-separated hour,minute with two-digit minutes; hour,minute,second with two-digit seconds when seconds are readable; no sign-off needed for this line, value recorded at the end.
8,05,11
